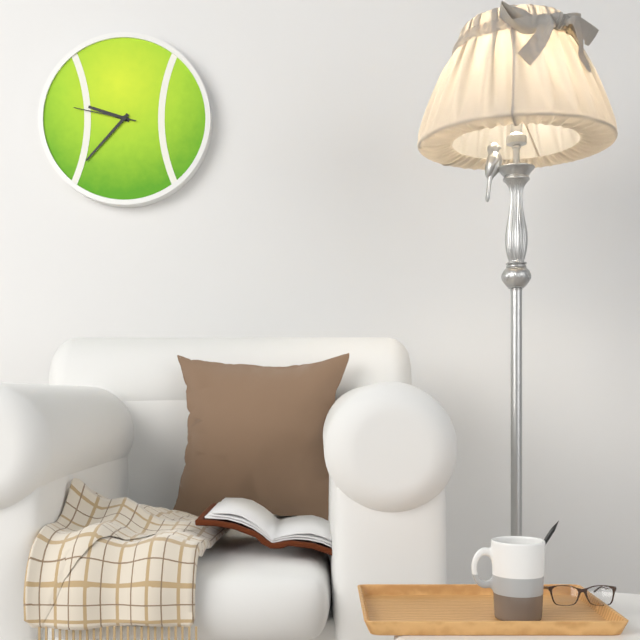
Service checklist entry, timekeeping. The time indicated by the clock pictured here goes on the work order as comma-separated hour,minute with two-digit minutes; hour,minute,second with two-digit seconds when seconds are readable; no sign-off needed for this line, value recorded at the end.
9,37,47
